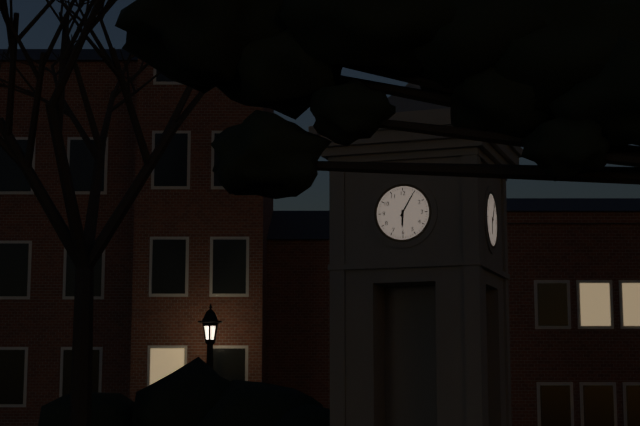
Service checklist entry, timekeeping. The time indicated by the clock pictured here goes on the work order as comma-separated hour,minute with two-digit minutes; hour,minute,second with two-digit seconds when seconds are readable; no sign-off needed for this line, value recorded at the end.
6,05
